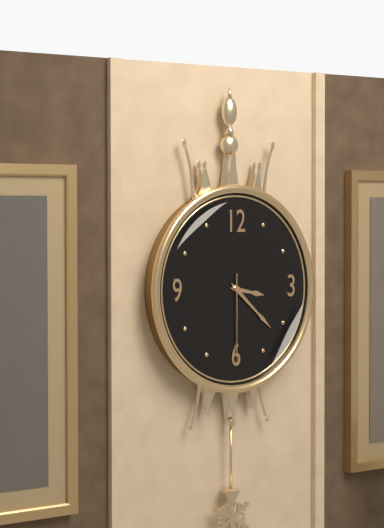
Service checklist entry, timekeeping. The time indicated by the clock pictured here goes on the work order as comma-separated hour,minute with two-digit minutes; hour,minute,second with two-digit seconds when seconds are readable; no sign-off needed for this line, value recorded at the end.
3,22,30
